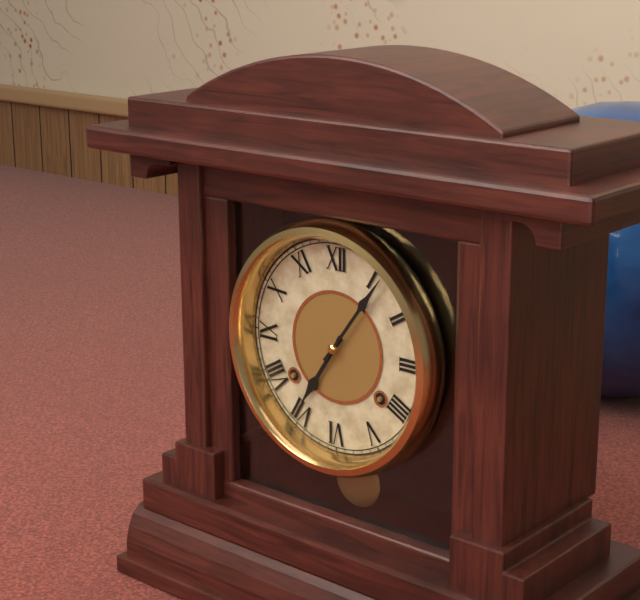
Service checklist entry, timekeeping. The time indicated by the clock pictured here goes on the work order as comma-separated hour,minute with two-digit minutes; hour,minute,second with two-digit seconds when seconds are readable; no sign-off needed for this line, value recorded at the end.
7,06
